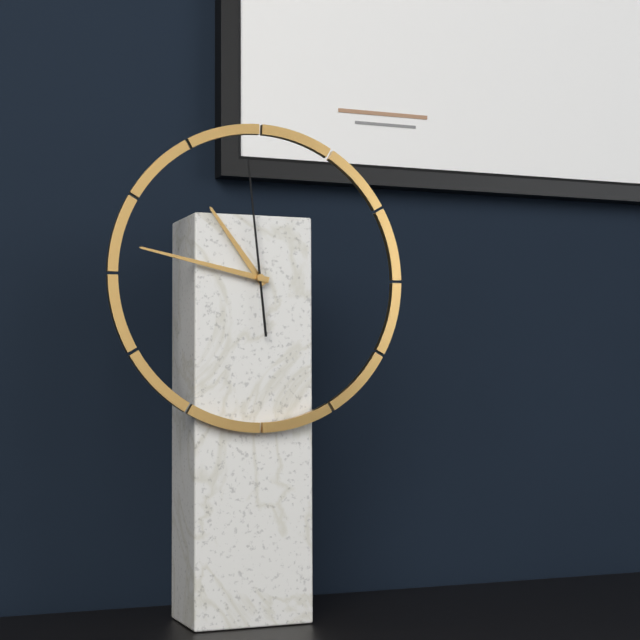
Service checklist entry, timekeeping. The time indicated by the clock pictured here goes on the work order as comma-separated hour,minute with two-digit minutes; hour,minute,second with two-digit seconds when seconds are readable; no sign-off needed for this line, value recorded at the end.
10,47,59
